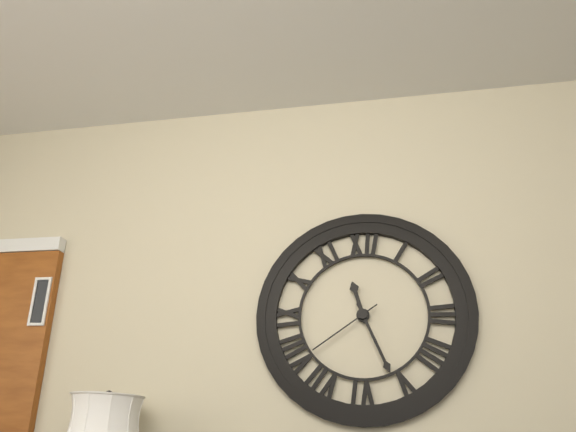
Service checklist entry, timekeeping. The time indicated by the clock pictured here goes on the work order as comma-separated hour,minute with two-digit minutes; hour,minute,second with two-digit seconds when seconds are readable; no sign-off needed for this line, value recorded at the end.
11,26,39
